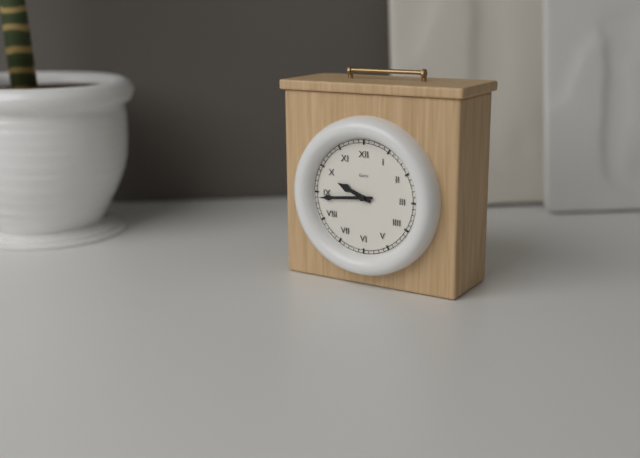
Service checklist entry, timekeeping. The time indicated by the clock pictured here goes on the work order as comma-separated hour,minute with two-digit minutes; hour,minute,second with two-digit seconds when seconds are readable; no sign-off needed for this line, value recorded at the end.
9,44
